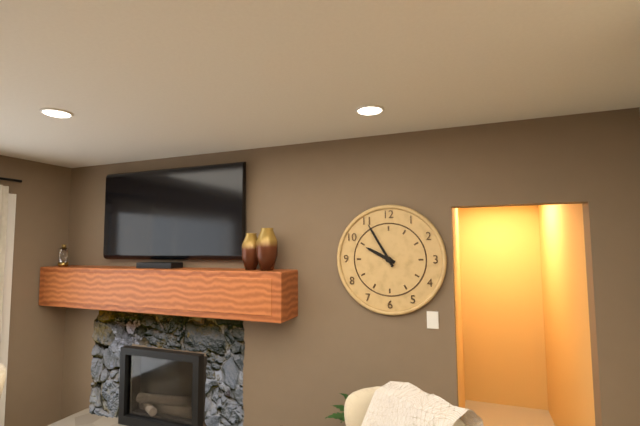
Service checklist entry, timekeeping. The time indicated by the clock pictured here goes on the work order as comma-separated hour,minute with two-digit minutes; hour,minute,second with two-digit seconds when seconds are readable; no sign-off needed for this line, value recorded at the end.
9,55
